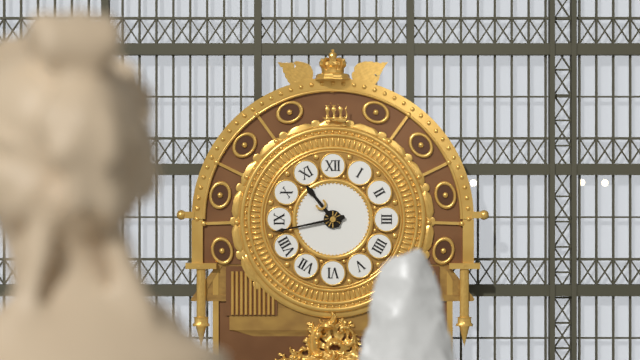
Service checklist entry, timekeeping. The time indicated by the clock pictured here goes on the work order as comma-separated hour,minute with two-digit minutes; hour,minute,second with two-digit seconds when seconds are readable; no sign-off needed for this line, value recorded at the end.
10,43
